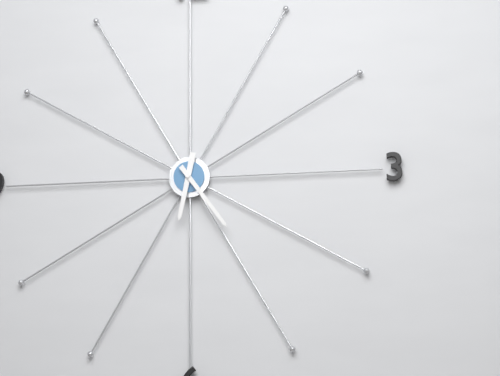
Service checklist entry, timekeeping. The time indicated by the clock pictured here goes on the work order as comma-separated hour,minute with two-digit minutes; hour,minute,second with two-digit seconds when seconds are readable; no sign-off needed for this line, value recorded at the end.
6,24
